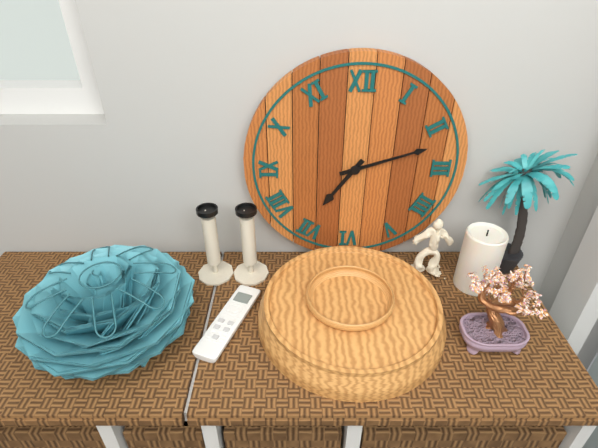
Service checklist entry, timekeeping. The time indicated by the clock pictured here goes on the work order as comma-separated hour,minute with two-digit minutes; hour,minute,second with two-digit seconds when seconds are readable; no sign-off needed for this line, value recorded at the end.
7,12
